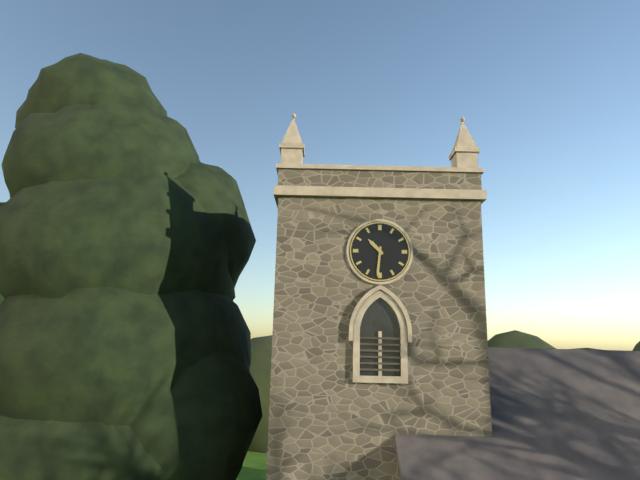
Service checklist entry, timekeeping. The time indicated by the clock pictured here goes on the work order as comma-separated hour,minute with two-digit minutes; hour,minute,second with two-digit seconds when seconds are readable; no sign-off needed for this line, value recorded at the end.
10,31
